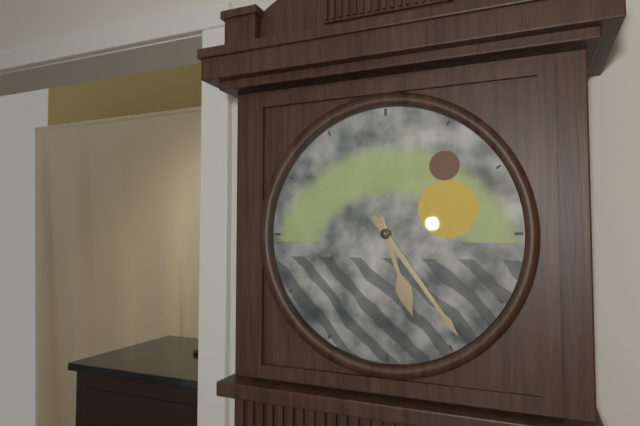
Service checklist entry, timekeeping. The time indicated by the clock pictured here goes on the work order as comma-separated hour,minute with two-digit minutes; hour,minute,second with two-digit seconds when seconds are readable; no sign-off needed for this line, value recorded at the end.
5,24
